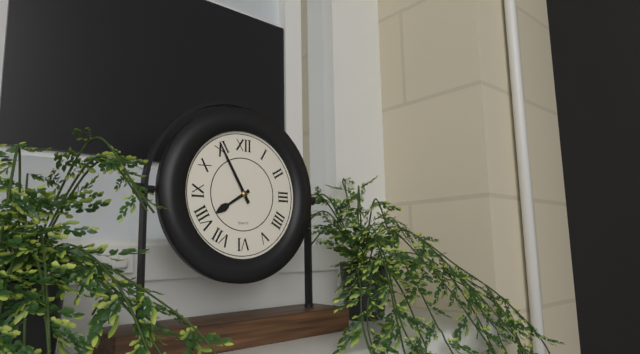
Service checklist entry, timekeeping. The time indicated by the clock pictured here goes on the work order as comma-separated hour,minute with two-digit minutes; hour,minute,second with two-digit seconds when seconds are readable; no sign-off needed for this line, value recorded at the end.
7,55
